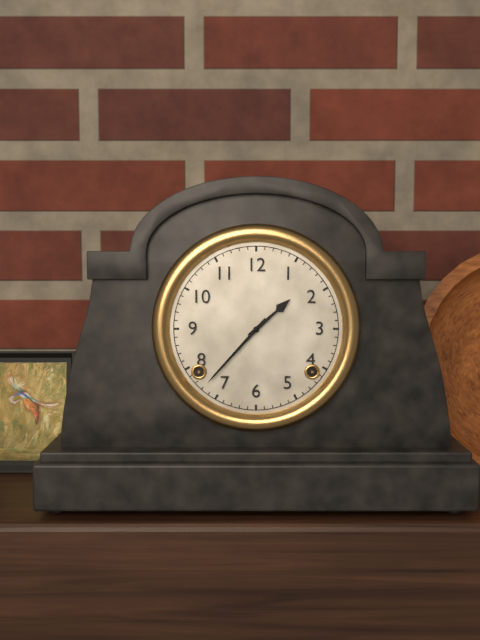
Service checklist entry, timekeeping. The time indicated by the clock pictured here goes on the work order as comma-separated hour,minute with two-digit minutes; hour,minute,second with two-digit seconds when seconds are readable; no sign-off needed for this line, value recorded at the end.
1,37
